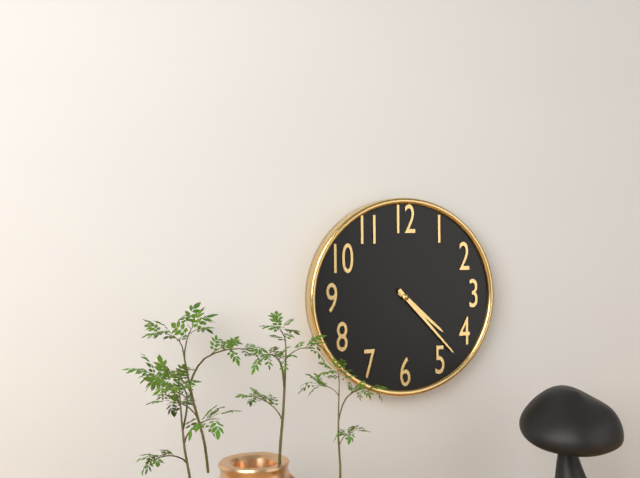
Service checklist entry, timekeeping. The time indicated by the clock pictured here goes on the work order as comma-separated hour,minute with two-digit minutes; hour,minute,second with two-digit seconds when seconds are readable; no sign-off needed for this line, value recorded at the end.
4,23
